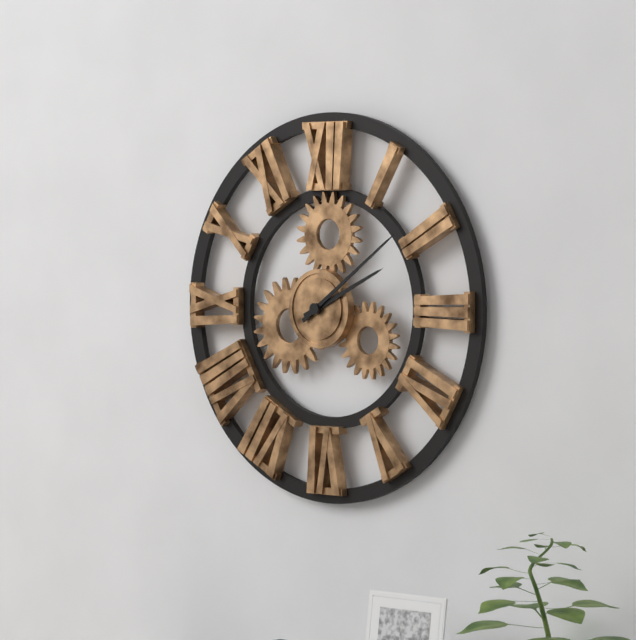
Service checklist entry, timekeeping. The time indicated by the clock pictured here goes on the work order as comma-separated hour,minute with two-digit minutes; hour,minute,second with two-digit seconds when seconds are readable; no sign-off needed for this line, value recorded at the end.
2,09
